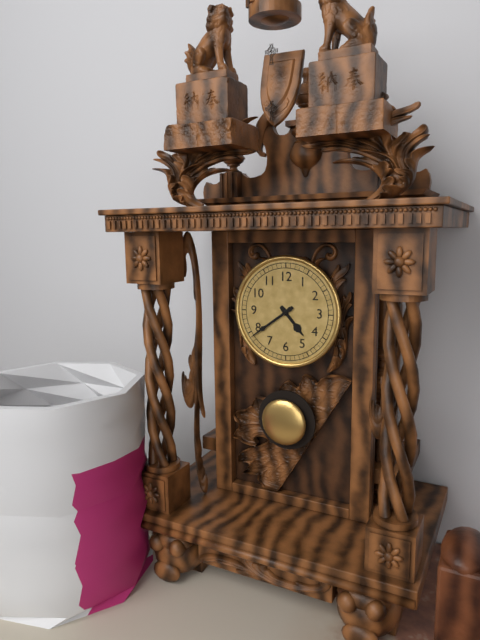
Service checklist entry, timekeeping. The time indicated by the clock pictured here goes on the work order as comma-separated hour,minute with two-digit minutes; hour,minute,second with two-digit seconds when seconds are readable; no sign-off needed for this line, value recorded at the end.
4,39
